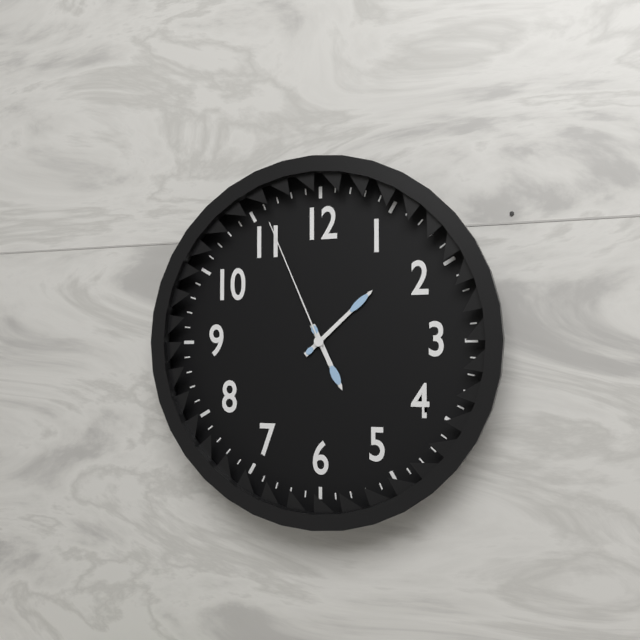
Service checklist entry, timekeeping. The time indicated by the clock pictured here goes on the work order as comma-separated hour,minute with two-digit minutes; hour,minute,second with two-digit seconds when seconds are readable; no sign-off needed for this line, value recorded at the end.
5,08,56
